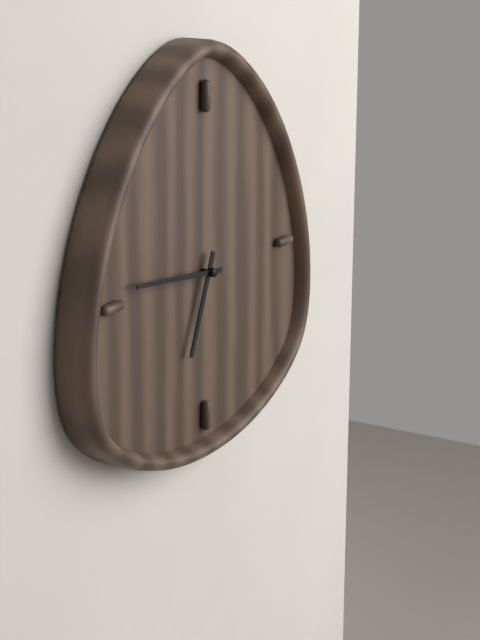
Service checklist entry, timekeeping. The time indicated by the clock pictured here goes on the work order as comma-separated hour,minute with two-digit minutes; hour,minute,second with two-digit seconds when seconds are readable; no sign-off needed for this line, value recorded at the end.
6,46
